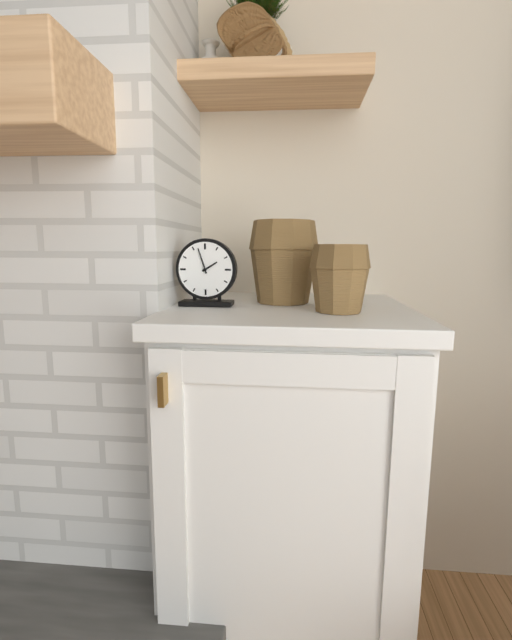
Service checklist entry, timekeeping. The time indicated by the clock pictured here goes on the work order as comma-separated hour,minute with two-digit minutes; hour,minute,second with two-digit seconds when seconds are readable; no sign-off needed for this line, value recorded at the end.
1,57
